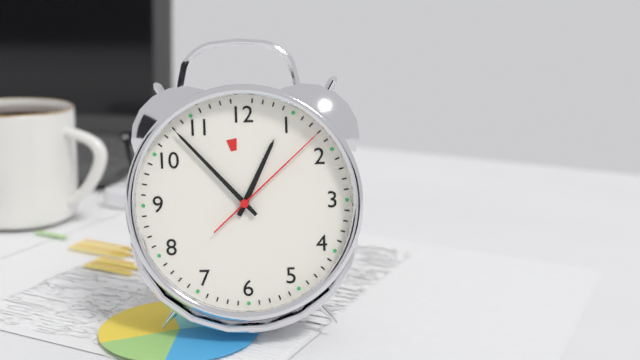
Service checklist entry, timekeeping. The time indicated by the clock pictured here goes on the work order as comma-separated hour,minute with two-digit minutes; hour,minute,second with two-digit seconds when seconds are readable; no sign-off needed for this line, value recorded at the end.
12,53,08
